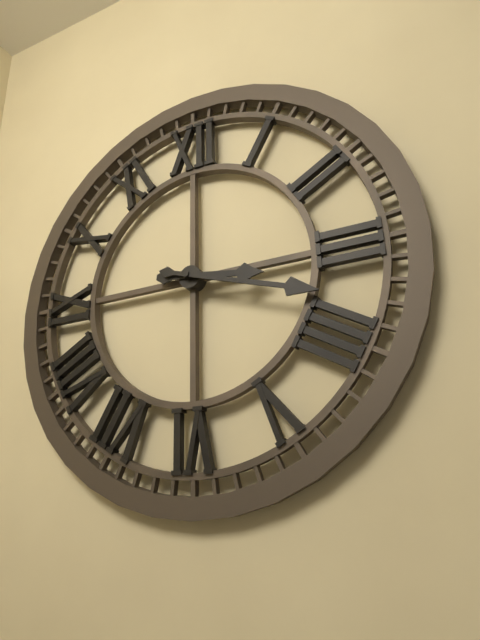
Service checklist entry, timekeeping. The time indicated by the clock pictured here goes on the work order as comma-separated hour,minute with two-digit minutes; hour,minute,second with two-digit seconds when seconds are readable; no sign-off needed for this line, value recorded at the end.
3,18
